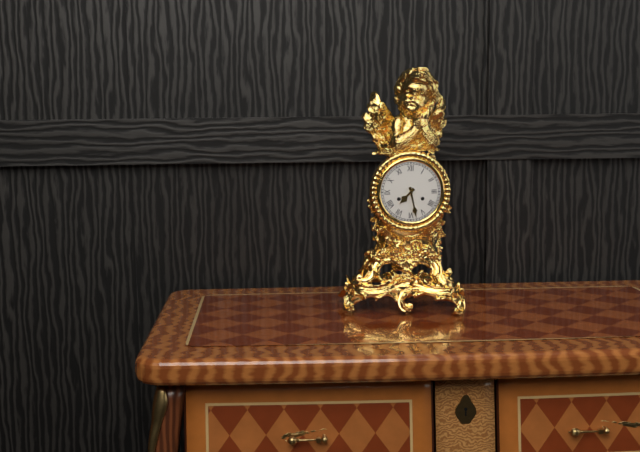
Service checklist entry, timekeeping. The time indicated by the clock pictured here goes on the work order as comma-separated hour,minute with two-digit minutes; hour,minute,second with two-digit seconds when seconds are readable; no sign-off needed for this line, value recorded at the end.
7,28
